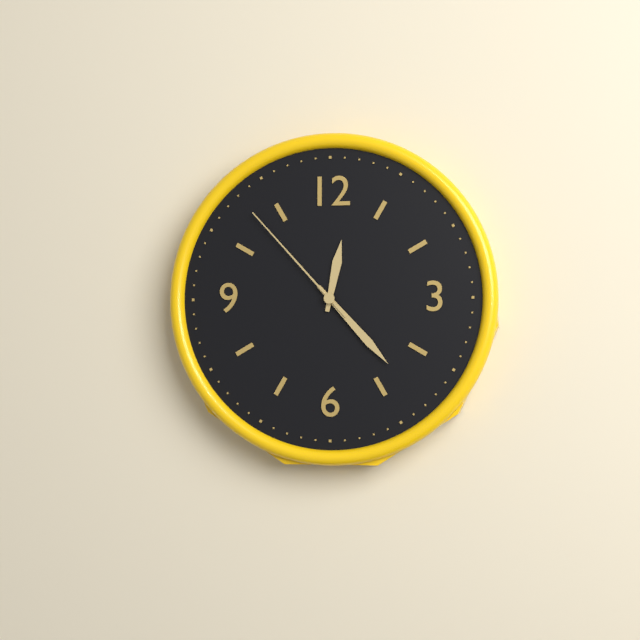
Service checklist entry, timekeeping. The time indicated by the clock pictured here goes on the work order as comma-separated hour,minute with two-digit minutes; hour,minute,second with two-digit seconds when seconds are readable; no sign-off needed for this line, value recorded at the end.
12,23,53
